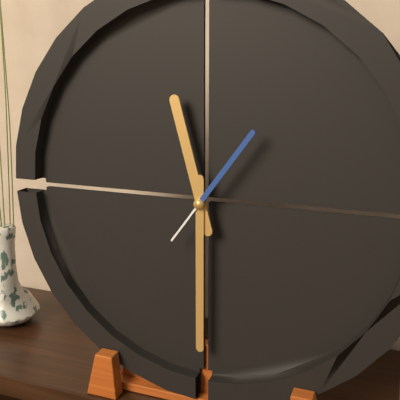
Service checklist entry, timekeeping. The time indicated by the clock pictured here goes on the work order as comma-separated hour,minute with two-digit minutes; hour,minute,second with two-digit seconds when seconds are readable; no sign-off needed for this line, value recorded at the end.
11,30,06
